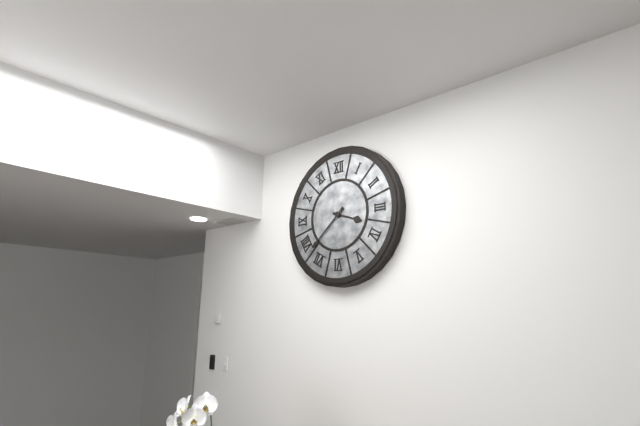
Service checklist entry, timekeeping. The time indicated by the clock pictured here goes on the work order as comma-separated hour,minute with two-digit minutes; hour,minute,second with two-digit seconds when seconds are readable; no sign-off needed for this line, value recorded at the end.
3,38
